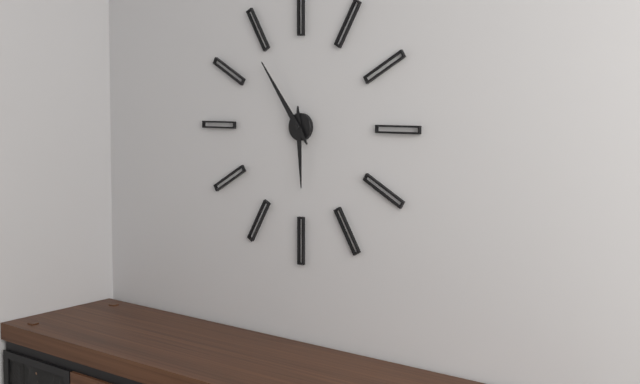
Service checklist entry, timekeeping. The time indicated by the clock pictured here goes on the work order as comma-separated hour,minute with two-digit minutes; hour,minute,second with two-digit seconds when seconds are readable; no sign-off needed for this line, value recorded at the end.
5,54
